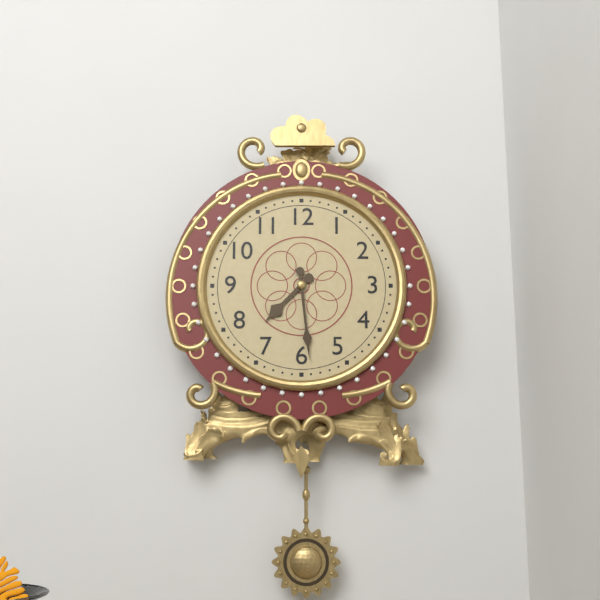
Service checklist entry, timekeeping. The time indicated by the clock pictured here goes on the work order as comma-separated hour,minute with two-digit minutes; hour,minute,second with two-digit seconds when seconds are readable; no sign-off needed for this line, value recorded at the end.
7,29
